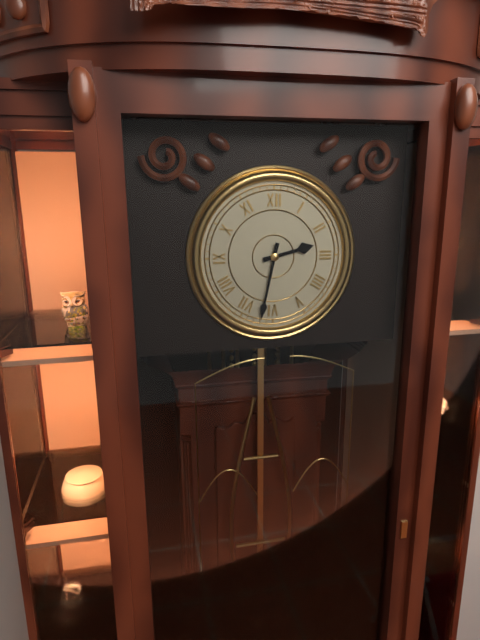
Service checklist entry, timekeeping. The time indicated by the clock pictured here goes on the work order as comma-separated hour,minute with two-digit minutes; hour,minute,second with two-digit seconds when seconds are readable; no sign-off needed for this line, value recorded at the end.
2,32
